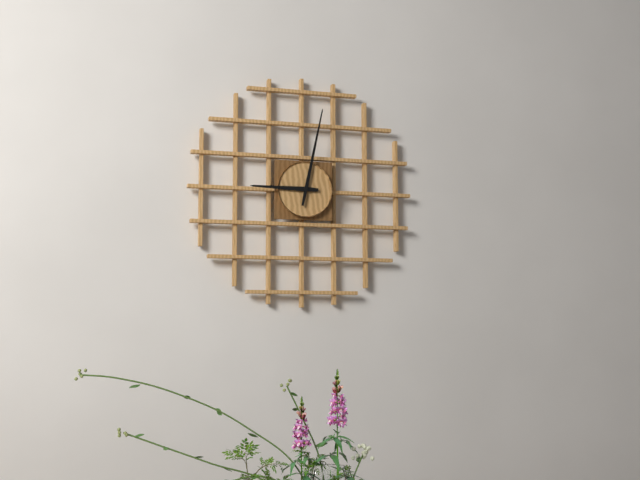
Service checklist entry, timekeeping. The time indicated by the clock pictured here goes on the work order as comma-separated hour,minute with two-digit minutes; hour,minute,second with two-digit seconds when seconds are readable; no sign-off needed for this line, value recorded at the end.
9,02
